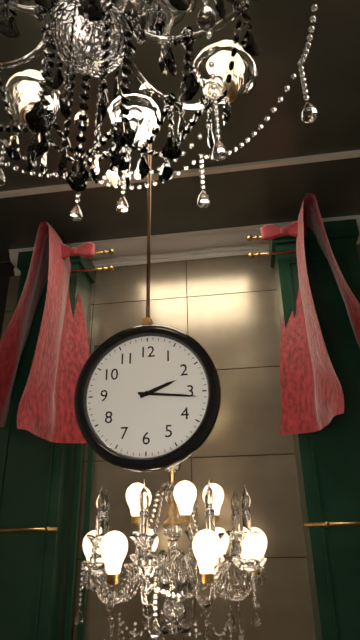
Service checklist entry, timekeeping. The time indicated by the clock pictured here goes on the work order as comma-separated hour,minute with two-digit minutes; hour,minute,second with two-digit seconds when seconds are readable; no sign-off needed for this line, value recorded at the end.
2,16
